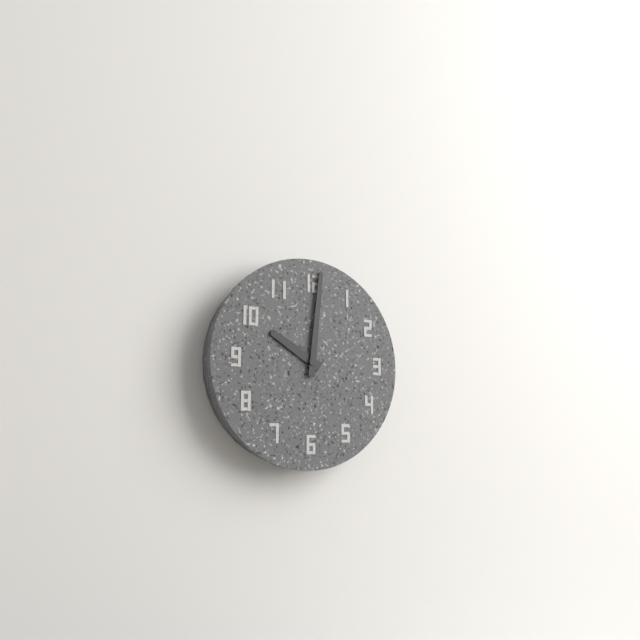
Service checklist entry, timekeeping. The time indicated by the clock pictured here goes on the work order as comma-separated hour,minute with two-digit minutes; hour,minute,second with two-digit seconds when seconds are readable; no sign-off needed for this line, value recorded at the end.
10,01
